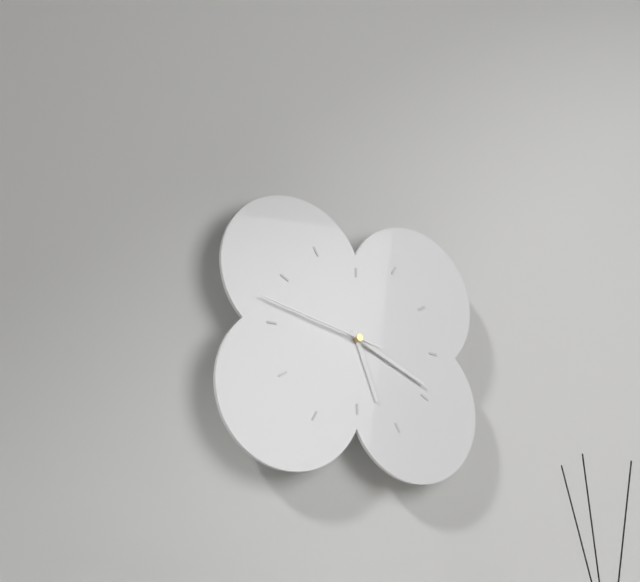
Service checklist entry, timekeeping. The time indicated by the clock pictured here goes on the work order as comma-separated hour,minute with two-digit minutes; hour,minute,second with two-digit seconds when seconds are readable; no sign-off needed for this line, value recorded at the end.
5,19,47
